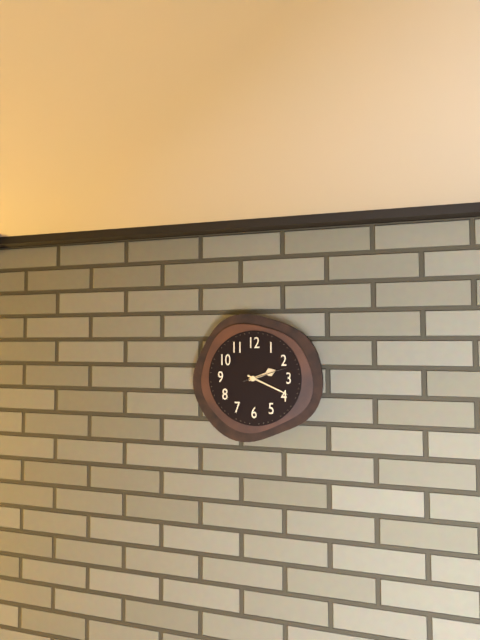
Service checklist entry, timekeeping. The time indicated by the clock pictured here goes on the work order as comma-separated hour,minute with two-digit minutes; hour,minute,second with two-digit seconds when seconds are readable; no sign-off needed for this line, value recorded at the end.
2,19
